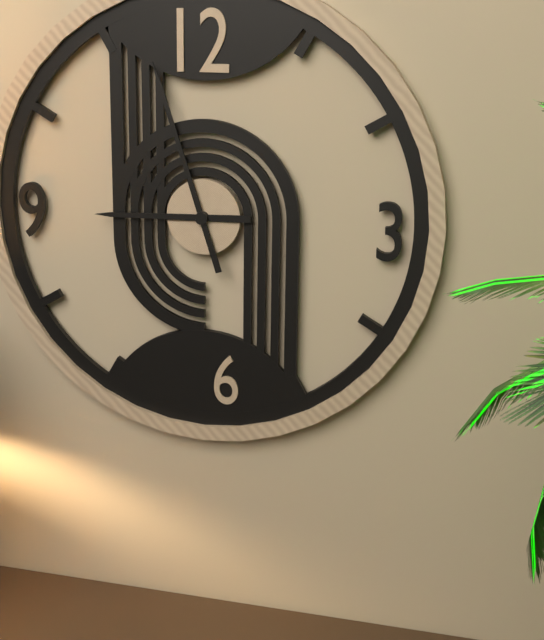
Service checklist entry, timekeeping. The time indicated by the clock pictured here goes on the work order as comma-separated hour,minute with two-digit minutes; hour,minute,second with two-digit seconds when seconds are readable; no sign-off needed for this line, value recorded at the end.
8,57
